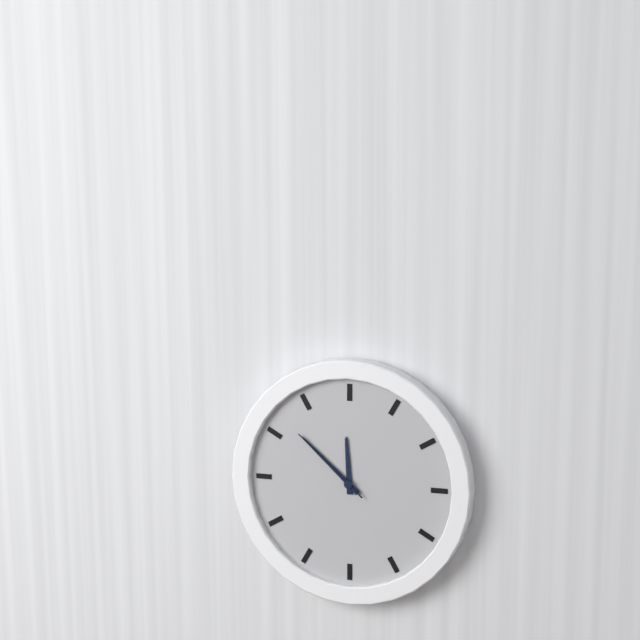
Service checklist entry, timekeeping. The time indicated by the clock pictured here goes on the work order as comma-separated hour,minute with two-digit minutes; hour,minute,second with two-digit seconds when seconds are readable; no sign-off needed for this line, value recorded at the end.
11,52,52
